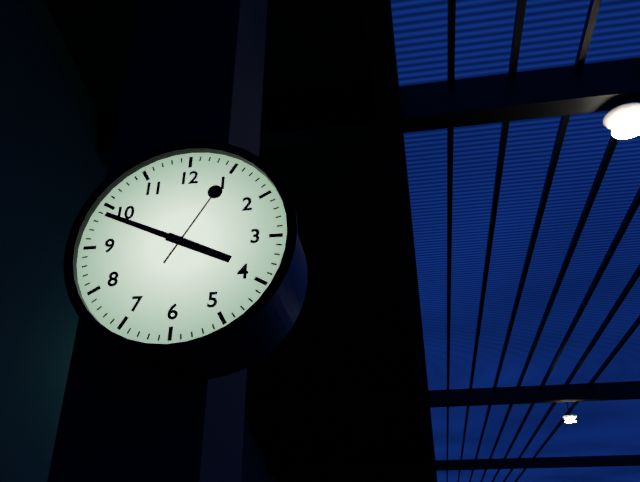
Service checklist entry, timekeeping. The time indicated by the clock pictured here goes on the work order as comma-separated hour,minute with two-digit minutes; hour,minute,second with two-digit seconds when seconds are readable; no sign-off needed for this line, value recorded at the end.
3,49,05
